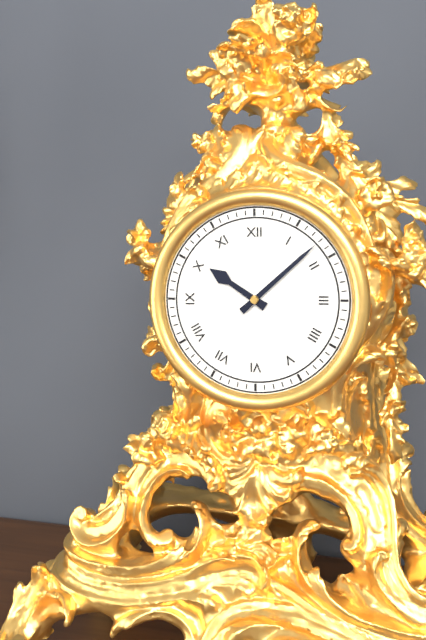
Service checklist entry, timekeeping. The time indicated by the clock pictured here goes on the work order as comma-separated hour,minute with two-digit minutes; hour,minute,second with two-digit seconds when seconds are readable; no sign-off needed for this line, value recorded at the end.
10,08
